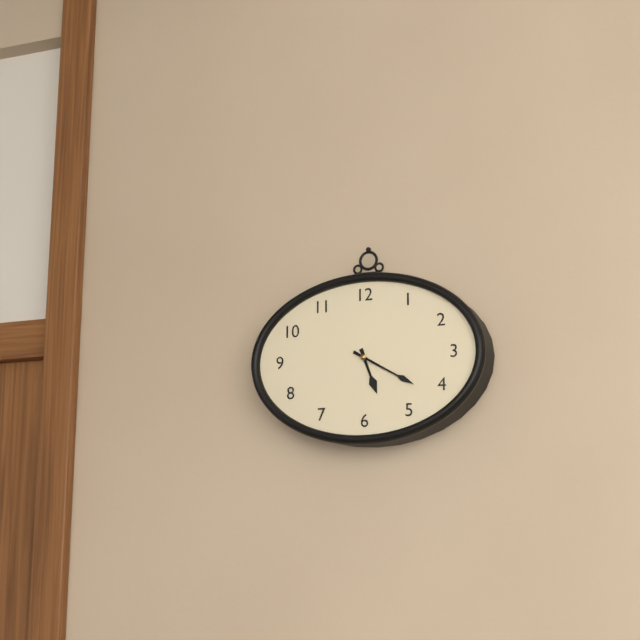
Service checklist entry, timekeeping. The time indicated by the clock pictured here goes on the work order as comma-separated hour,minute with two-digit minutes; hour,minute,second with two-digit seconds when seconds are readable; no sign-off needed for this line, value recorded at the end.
5,20
